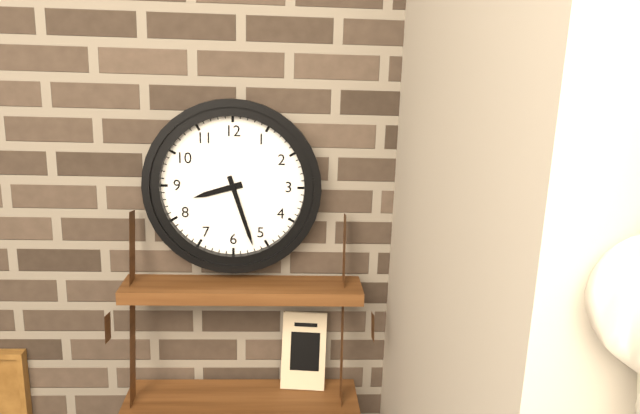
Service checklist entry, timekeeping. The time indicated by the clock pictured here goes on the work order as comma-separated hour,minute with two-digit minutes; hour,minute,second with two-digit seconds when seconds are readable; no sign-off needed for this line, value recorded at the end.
8,27
